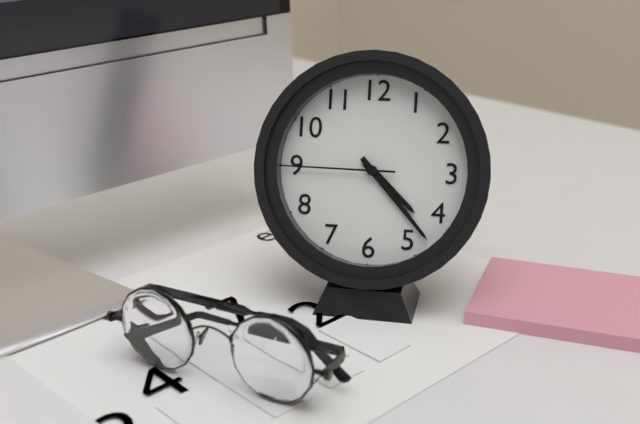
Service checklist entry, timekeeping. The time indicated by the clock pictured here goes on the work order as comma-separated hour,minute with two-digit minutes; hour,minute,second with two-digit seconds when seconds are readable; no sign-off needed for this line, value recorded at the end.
4,23,45
